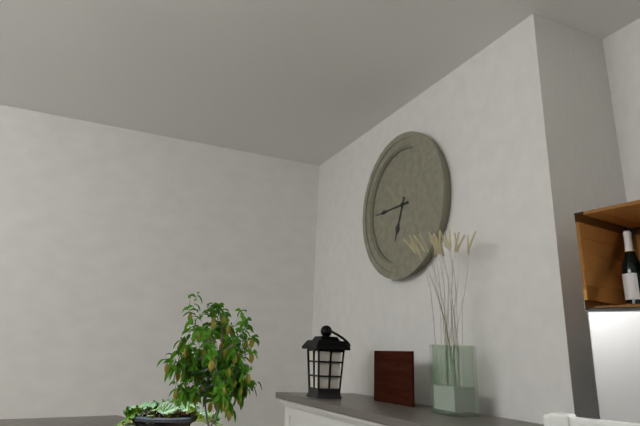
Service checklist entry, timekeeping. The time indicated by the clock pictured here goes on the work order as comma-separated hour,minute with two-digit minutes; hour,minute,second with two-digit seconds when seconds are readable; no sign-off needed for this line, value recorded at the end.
6,45
